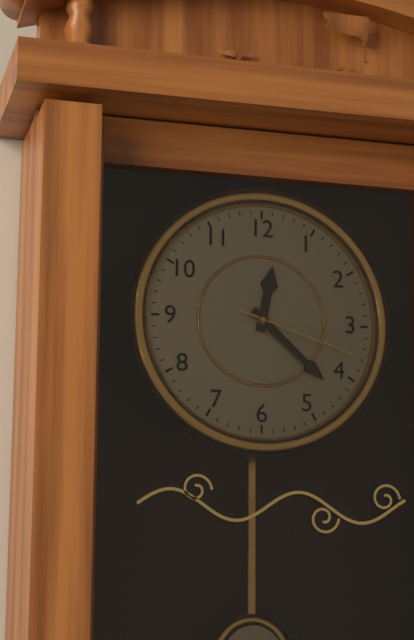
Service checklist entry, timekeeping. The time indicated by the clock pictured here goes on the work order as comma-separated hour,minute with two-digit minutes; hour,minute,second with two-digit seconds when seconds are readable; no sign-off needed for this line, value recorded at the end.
12,22,18
